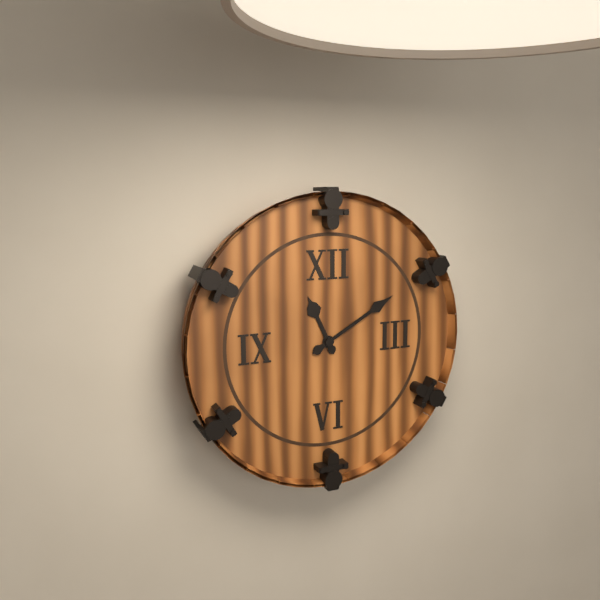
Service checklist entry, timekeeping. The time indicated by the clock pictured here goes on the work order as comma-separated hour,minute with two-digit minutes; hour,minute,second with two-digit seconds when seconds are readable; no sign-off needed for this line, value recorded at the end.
11,10
